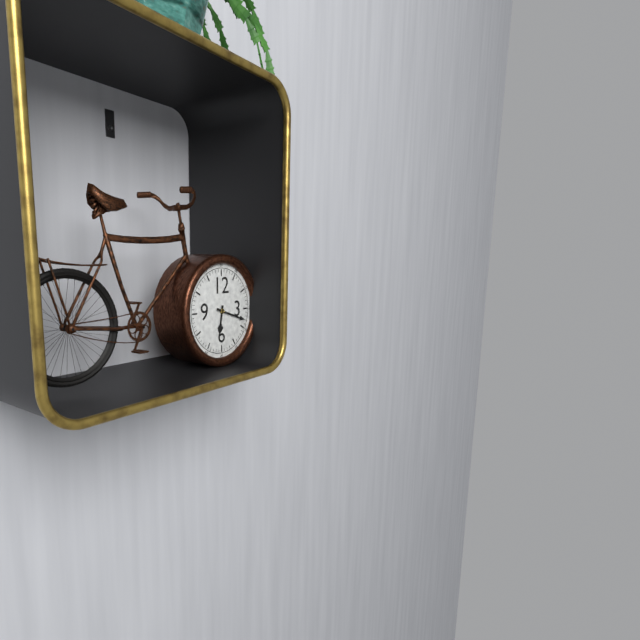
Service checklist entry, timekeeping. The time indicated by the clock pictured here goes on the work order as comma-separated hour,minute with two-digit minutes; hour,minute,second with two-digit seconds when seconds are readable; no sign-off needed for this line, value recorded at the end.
6,18
